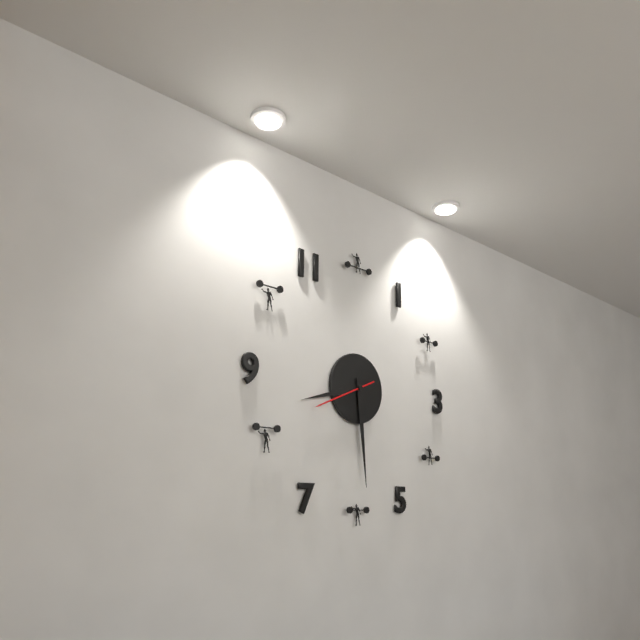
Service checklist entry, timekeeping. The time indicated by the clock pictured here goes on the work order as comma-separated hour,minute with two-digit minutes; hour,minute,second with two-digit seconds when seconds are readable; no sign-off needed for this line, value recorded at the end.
8,29,41
